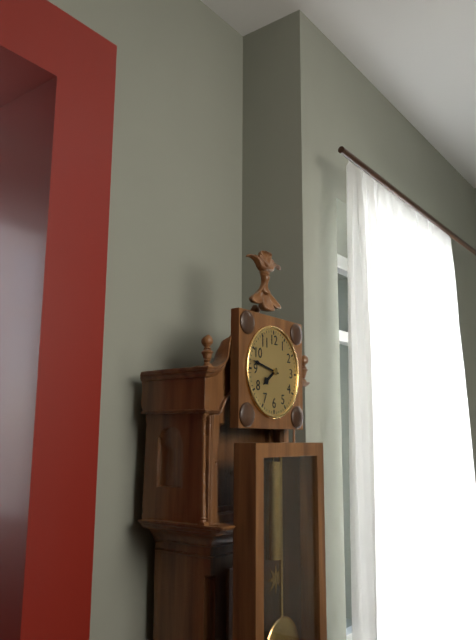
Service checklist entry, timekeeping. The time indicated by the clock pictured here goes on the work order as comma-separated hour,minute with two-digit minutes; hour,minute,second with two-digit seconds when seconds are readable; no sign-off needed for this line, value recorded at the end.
7,47
